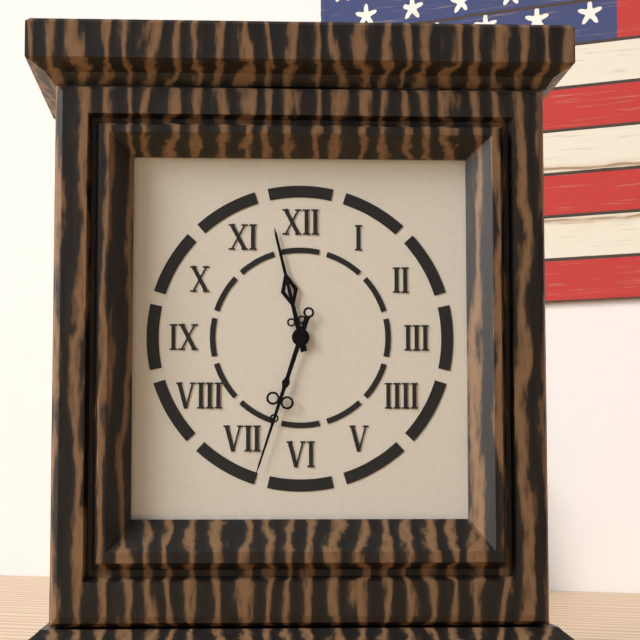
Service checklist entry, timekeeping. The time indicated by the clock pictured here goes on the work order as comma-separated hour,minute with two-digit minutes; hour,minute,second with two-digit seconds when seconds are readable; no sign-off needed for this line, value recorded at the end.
11,33
